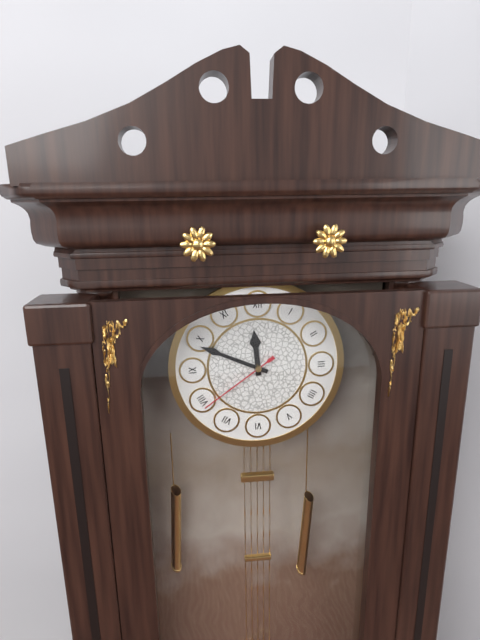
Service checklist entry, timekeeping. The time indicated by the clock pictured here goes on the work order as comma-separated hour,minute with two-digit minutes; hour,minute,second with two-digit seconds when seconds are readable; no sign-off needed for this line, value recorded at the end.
11,49,39
